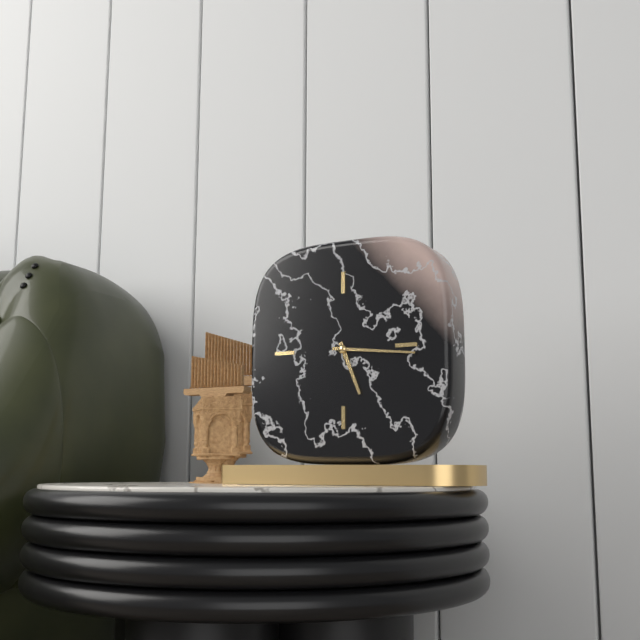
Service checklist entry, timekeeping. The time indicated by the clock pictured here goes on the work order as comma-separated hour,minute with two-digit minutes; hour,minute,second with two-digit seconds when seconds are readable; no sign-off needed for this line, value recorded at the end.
5,16
